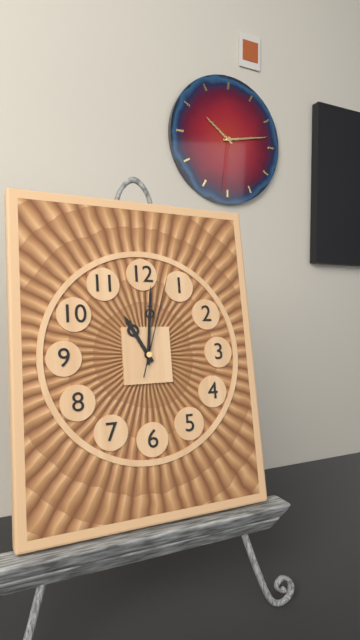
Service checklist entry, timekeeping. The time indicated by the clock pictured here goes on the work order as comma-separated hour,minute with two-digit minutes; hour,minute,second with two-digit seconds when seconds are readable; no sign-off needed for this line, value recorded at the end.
11,01,03
